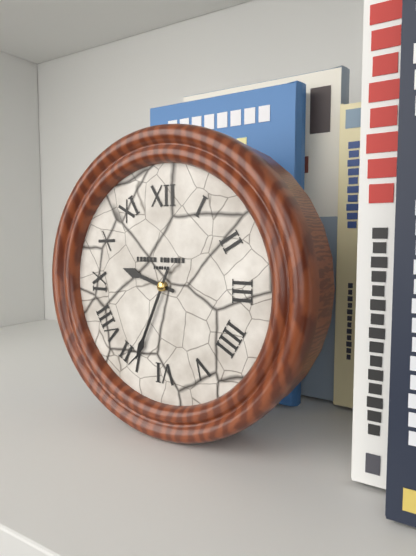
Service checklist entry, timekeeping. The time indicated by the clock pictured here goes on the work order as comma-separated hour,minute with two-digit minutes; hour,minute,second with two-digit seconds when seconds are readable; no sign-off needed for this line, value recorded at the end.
9,34
